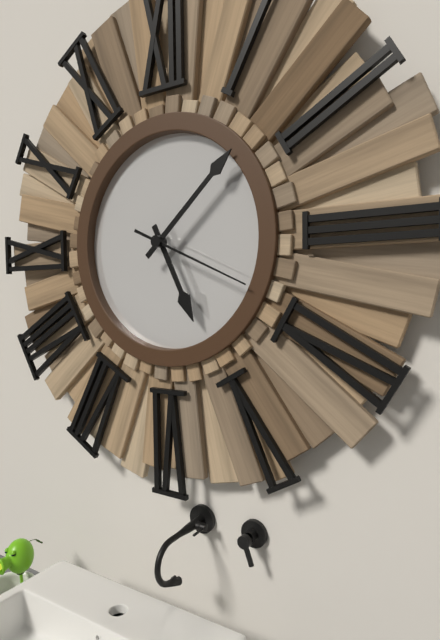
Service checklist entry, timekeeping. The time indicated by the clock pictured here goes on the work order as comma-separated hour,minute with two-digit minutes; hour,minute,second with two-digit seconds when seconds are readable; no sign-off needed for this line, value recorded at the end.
5,08,19
